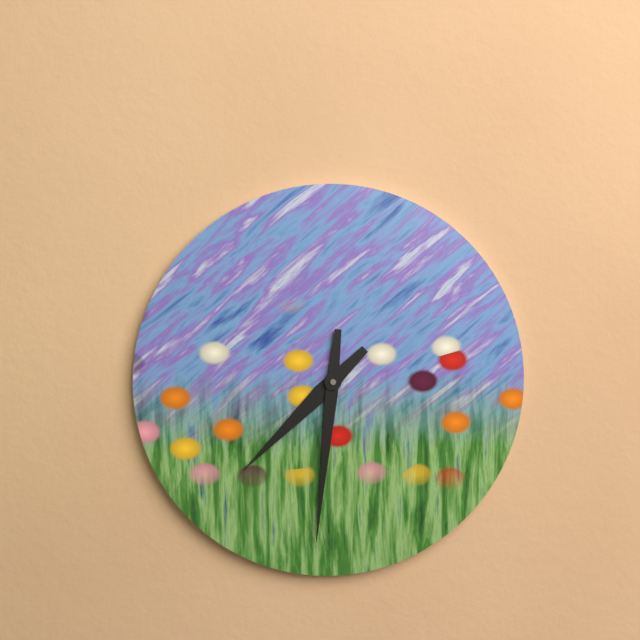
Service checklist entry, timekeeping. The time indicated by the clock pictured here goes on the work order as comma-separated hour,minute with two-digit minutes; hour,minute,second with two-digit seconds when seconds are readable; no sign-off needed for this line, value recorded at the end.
7,31
